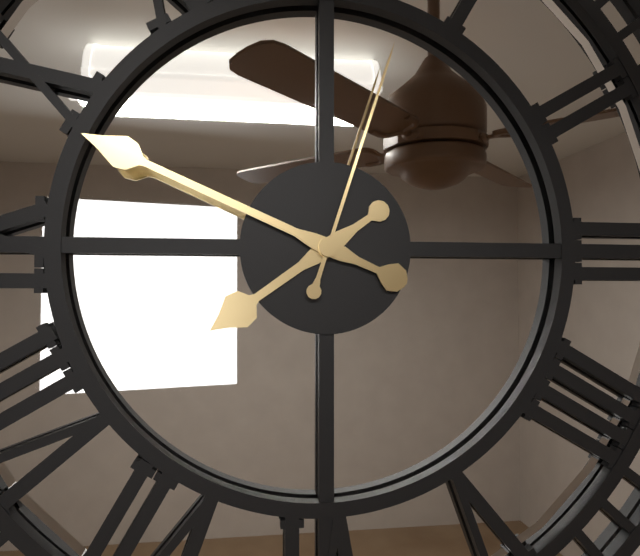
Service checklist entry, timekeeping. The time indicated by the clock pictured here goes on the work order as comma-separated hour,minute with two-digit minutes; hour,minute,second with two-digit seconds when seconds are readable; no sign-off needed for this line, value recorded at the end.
7,49,03
